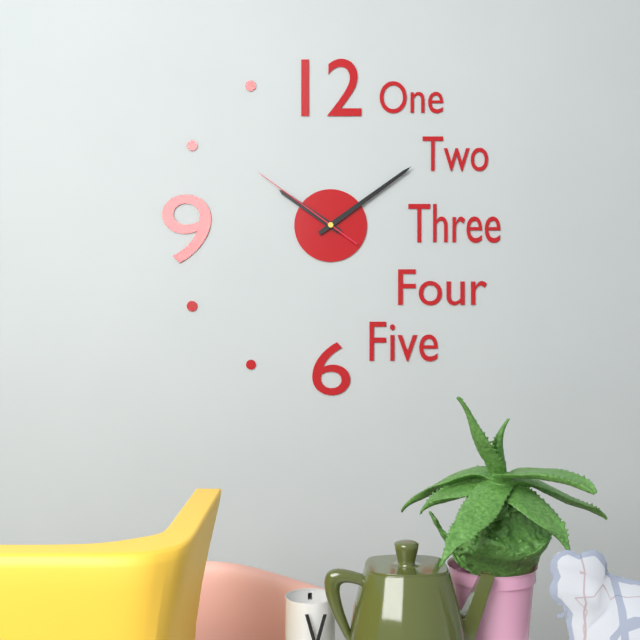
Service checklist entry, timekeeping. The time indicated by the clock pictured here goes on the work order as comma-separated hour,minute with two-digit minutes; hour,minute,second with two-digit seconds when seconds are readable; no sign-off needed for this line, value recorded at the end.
10,09,51
